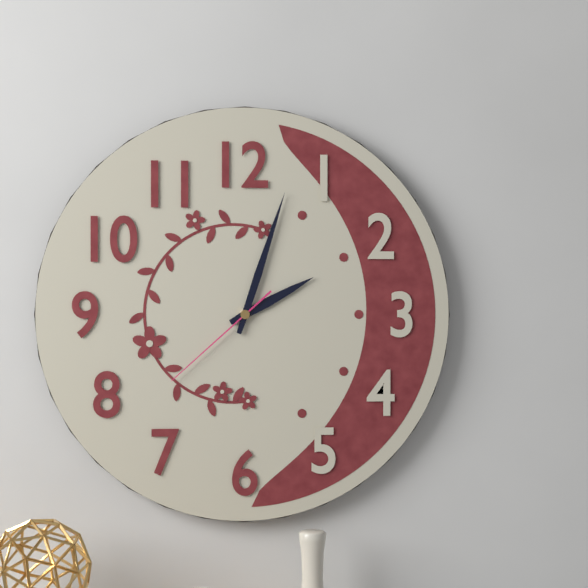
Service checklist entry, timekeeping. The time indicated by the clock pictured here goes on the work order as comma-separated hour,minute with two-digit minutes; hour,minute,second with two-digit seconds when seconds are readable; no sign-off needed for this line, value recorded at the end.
2,03,38
